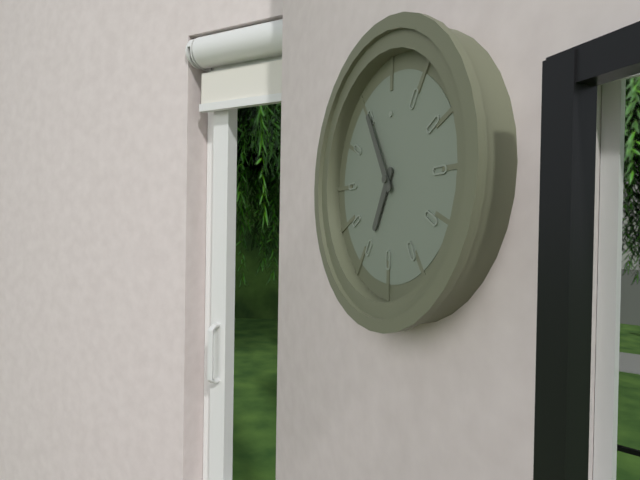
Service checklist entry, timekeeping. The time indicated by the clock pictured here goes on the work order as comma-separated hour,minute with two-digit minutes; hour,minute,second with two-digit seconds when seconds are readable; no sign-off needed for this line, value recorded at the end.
6,55
